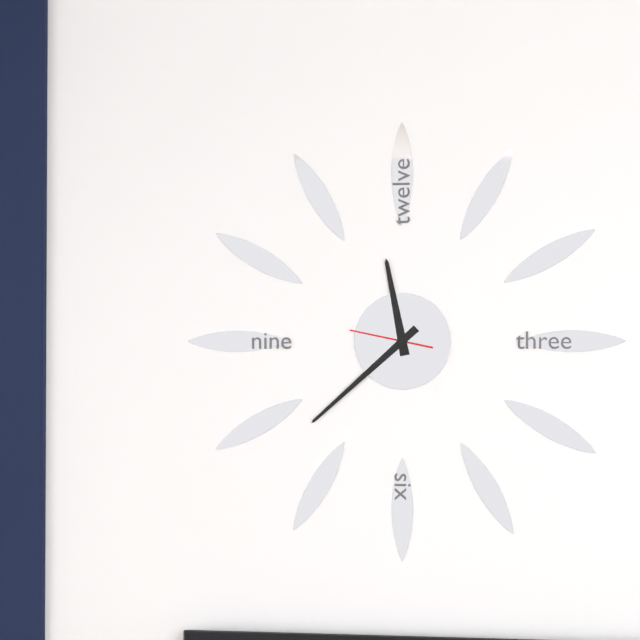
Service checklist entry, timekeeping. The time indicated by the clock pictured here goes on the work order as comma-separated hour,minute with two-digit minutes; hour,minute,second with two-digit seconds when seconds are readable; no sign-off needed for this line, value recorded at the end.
11,38,47
